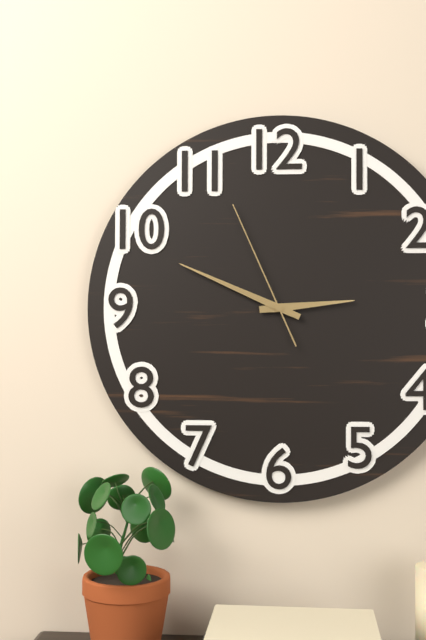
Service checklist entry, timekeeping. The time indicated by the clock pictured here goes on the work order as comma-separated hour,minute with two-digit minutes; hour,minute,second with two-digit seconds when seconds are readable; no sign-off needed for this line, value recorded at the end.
2,49,56
